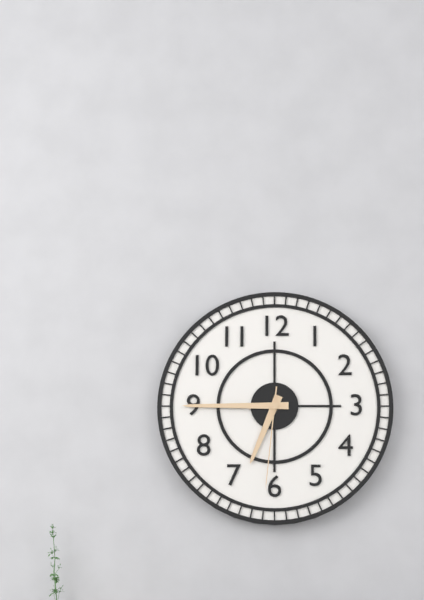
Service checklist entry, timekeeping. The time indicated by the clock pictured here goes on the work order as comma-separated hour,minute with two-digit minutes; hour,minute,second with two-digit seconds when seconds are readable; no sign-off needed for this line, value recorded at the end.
6,45,31
